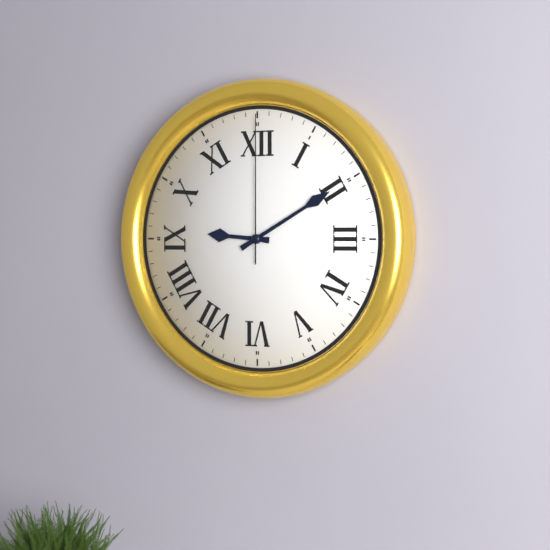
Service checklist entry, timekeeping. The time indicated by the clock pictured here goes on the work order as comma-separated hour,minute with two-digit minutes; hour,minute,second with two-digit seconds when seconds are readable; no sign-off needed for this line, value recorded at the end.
9,10,00
